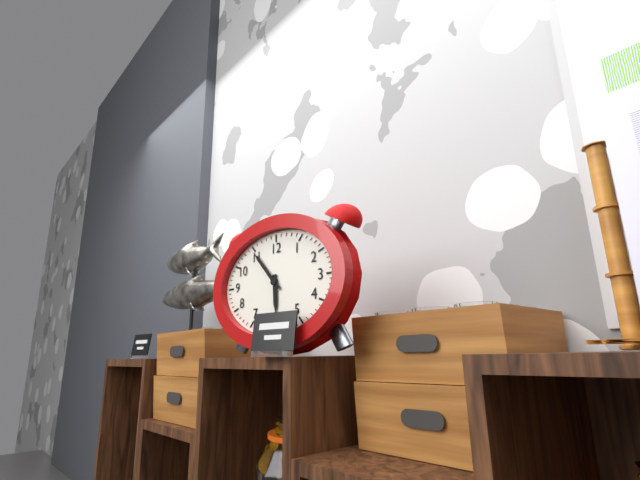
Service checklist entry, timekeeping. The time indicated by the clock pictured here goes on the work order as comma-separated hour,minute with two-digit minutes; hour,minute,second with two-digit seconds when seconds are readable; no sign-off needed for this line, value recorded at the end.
5,53
